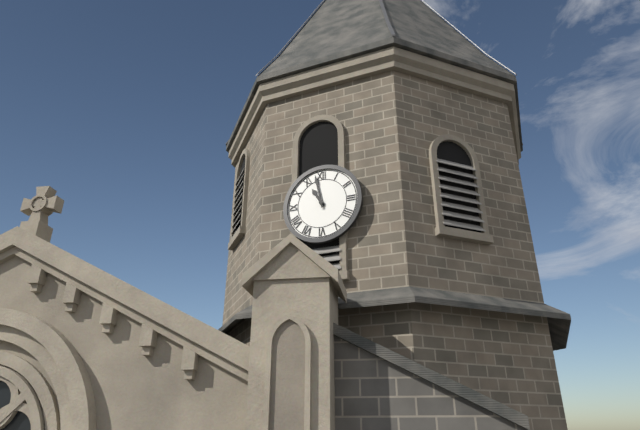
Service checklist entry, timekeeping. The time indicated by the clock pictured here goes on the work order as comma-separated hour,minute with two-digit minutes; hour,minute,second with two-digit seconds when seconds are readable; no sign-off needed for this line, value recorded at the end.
10,58
